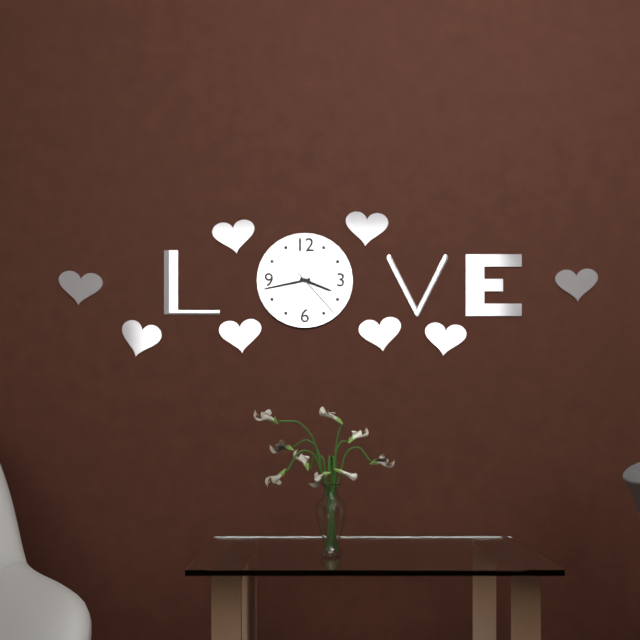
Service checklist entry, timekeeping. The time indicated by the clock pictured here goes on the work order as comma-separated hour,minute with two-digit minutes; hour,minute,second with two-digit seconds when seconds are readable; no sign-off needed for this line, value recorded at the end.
3,43,23
